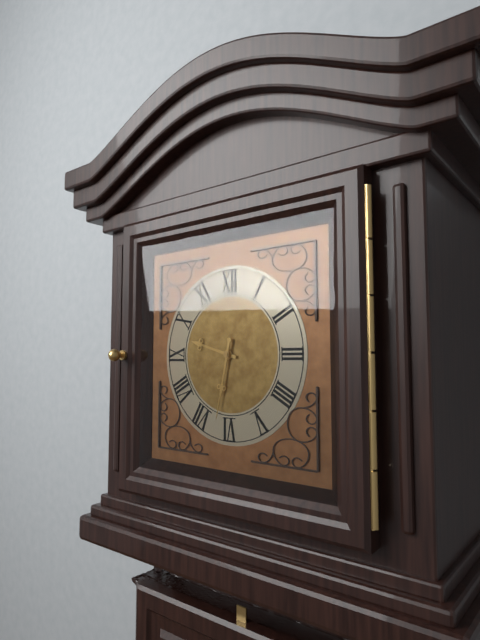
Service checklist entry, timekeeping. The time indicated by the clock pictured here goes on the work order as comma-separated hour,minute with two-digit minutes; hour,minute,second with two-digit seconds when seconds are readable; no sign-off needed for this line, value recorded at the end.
9,32
